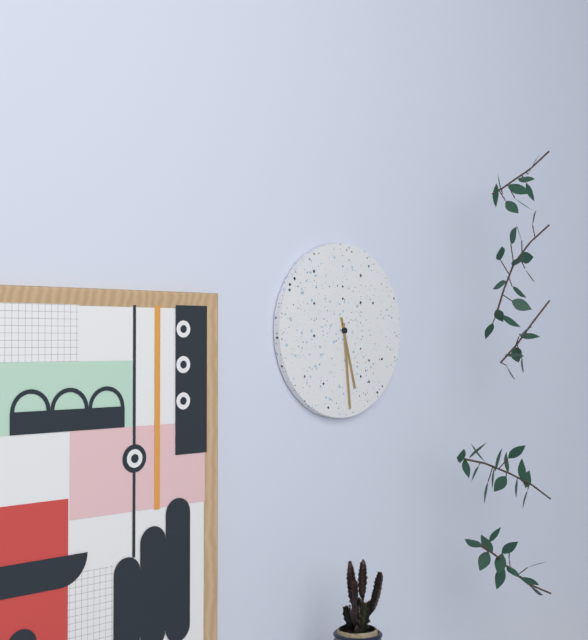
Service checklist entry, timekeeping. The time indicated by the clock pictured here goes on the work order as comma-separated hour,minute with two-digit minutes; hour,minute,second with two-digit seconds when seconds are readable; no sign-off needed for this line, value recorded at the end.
5,29
